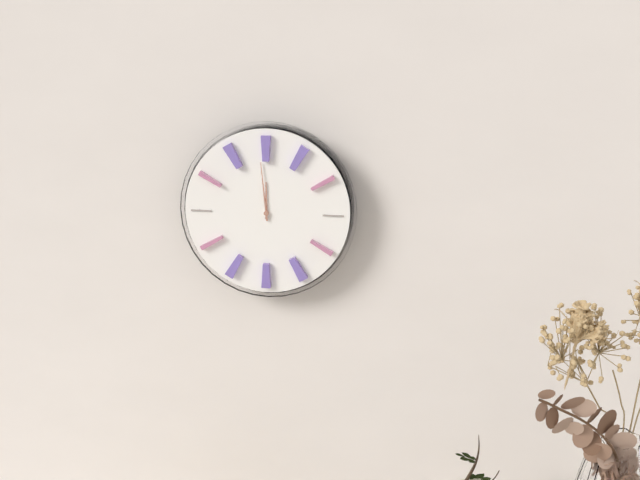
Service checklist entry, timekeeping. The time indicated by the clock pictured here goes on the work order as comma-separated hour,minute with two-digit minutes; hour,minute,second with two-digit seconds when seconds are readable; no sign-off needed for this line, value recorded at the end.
11,59
